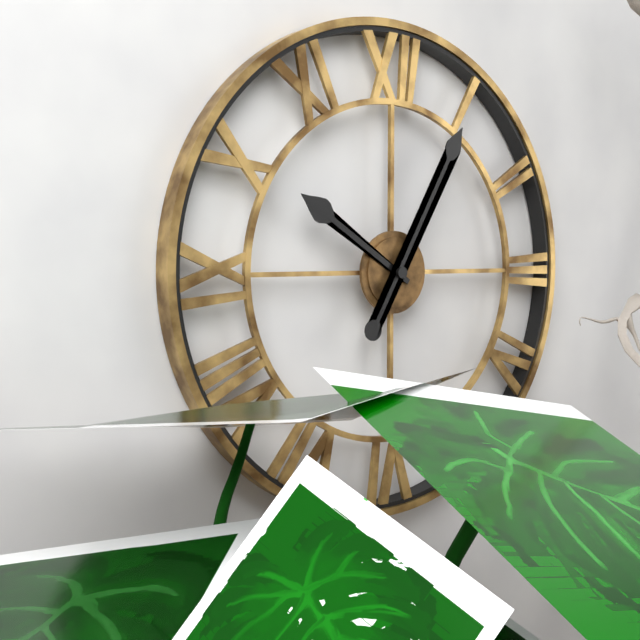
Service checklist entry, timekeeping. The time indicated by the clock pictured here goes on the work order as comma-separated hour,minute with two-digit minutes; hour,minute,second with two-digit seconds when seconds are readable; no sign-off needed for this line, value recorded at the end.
10,05
